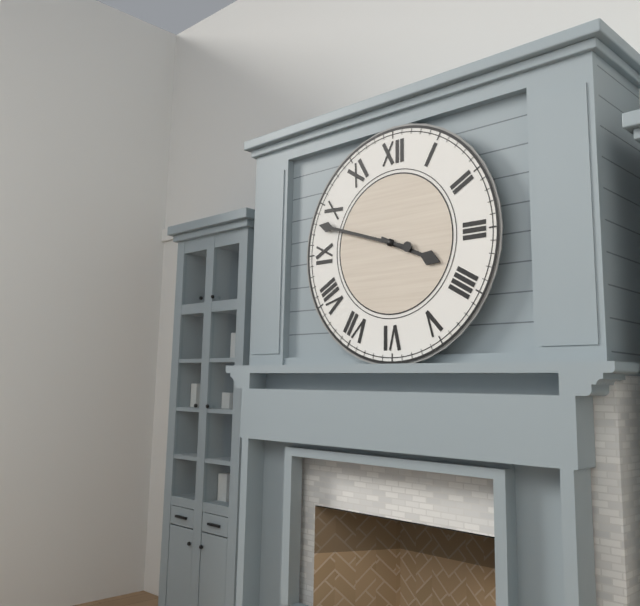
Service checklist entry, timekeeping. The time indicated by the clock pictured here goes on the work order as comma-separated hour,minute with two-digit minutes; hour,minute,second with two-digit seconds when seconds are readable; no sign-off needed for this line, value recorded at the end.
3,48
